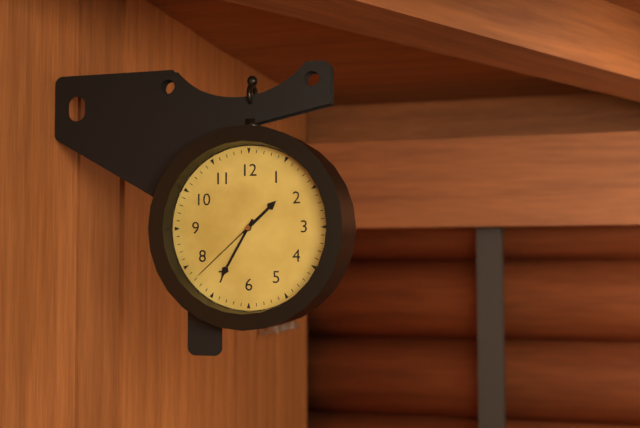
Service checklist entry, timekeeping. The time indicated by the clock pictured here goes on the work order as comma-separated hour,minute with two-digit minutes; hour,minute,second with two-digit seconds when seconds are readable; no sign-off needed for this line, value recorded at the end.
1,35,38
